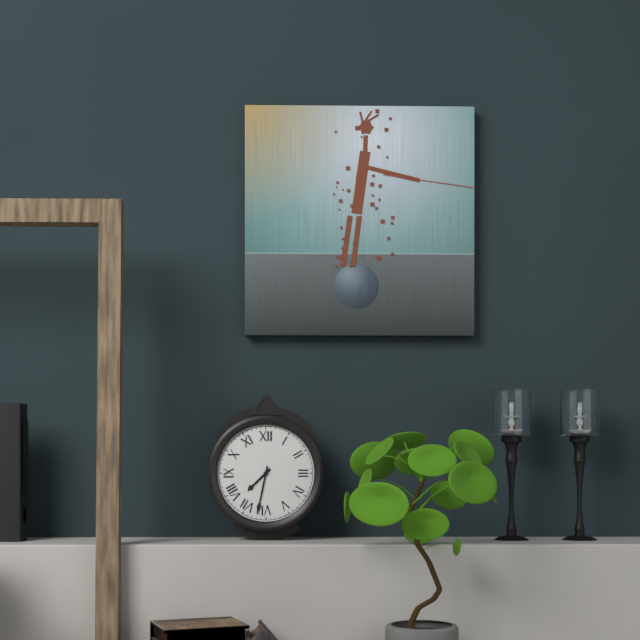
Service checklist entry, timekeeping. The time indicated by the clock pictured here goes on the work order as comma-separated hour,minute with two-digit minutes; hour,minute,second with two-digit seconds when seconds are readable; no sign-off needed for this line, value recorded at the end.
7,32
